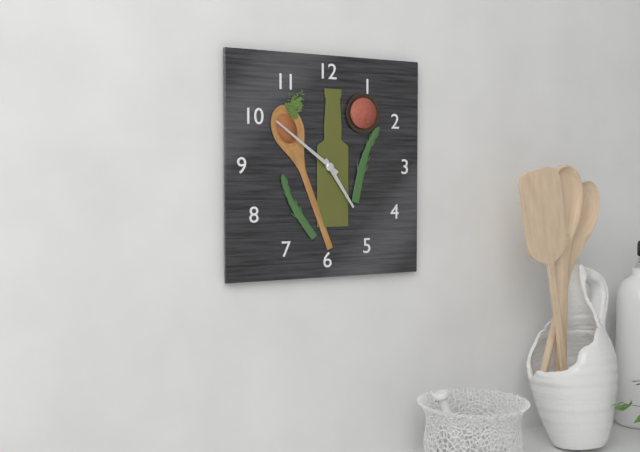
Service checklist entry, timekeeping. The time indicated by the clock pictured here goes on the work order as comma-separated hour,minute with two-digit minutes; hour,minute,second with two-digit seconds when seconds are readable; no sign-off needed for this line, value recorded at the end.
4,51
